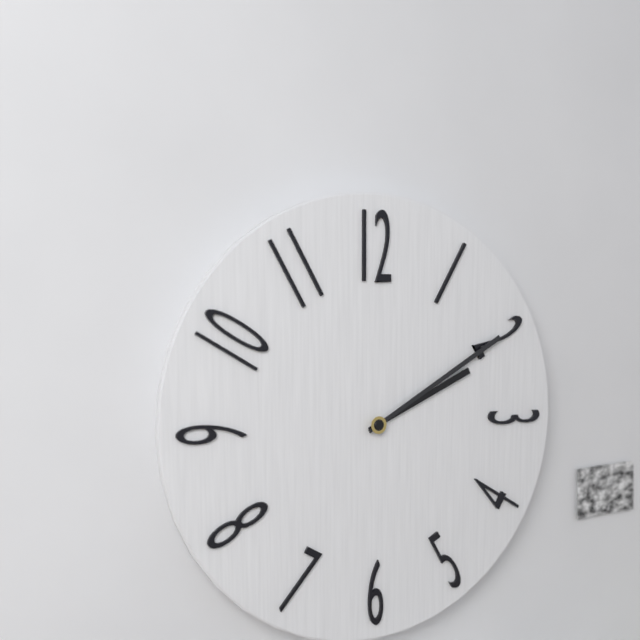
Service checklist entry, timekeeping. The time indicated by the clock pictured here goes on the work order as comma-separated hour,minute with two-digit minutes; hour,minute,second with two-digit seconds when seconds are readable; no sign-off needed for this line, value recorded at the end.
2,10
